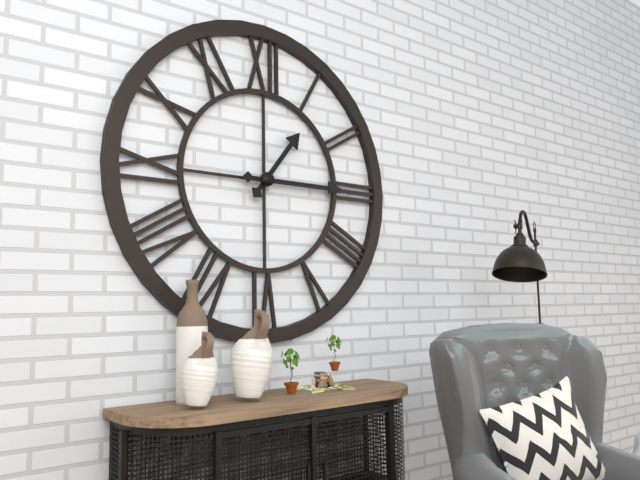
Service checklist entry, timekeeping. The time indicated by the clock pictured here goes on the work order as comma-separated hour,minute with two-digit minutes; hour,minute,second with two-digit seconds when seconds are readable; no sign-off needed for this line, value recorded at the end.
1,15
